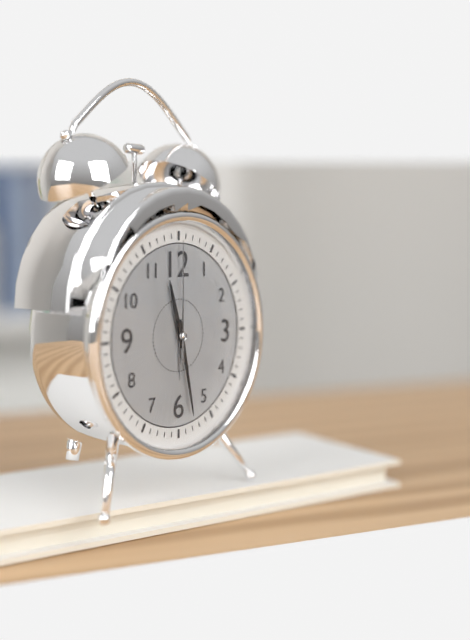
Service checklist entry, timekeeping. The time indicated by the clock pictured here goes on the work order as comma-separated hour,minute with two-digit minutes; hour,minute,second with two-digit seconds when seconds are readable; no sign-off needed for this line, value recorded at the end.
11,28,00
